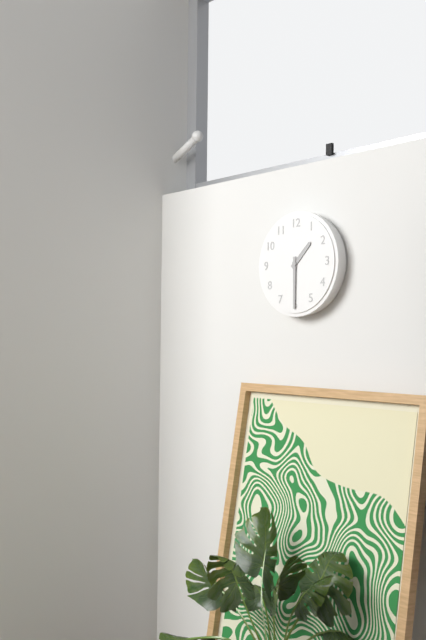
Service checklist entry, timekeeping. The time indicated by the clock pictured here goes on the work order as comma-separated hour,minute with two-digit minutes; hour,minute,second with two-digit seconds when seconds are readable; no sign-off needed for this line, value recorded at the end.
1,30
